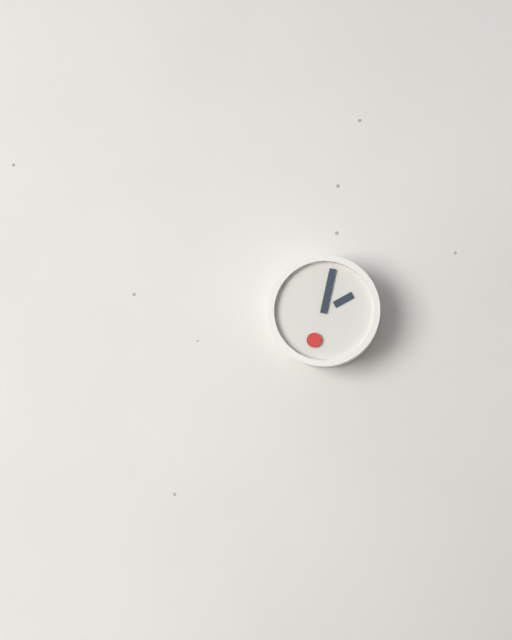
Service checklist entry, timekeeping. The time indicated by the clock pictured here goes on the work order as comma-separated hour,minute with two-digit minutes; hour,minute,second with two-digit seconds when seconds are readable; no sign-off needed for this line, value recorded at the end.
2,02
